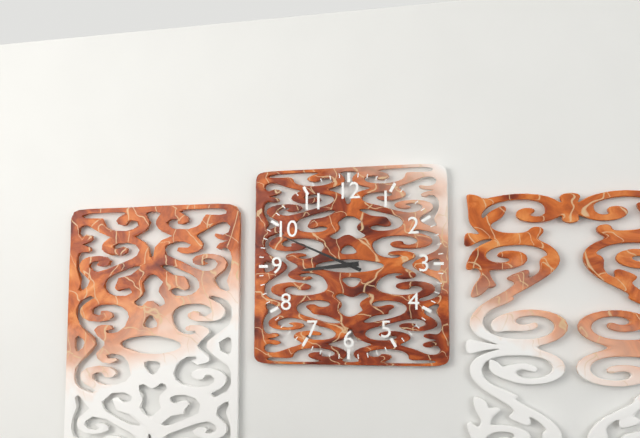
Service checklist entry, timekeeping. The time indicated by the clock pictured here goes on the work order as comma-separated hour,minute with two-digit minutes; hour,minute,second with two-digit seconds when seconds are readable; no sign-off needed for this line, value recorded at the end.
8,49
